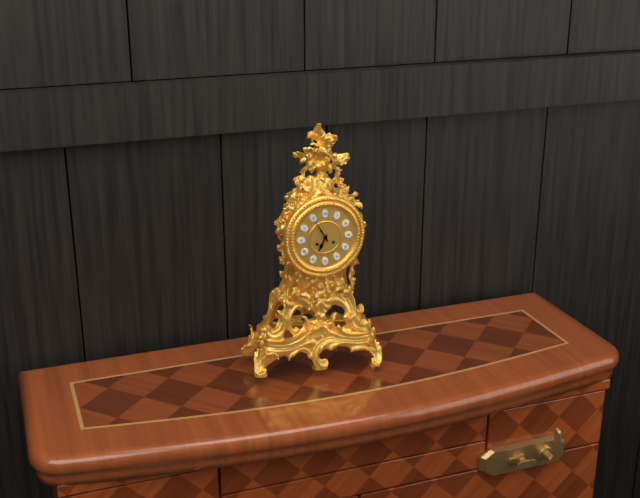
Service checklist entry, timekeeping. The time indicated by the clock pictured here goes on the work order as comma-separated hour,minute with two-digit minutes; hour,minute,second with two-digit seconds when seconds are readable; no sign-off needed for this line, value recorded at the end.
6,55
